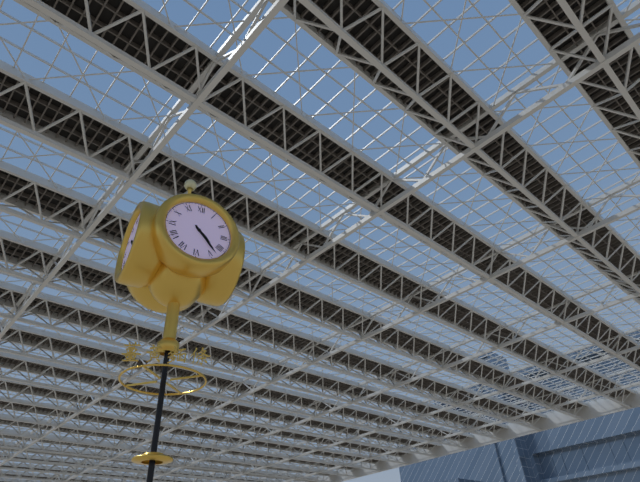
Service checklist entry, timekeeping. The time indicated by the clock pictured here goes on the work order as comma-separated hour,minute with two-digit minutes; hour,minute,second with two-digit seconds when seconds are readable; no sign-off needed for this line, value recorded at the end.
4,23
